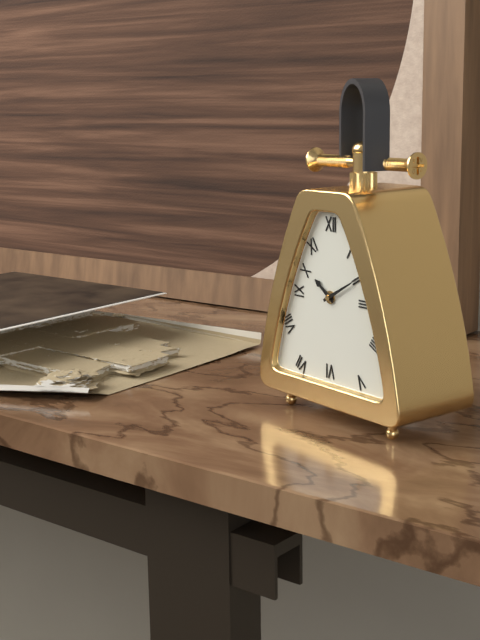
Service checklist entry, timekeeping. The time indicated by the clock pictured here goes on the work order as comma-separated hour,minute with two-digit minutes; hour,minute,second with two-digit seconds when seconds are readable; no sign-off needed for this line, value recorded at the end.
10,10
